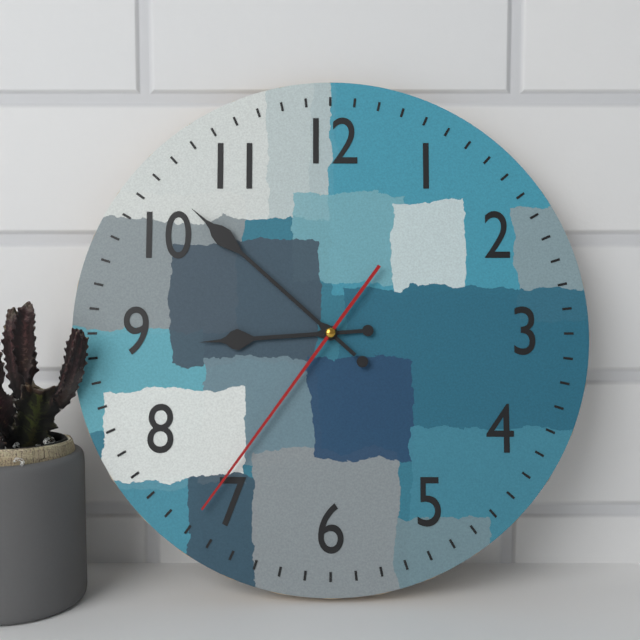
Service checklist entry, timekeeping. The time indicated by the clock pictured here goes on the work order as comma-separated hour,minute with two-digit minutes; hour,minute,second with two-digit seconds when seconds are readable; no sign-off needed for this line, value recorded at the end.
8,52,36
